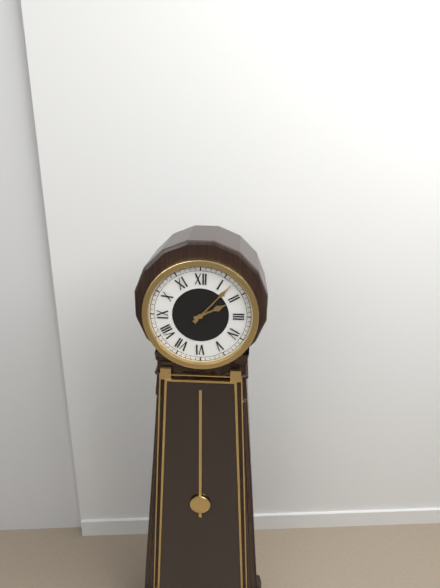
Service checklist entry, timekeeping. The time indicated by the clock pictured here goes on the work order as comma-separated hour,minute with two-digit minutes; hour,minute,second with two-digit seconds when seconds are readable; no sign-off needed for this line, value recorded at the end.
2,07
